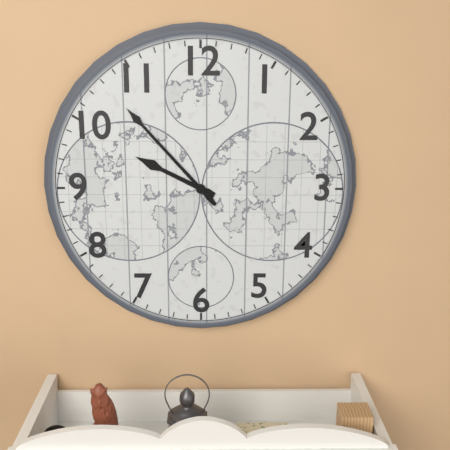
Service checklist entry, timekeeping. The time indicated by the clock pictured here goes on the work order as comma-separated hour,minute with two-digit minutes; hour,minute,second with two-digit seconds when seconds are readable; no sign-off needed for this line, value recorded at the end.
9,53
